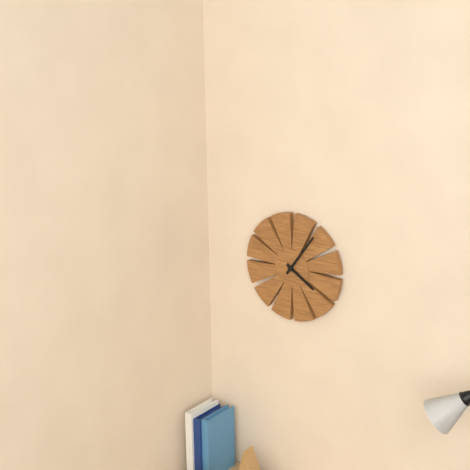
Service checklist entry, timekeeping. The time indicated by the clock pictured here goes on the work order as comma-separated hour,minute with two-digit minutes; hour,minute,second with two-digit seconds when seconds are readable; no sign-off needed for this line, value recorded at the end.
4,06
